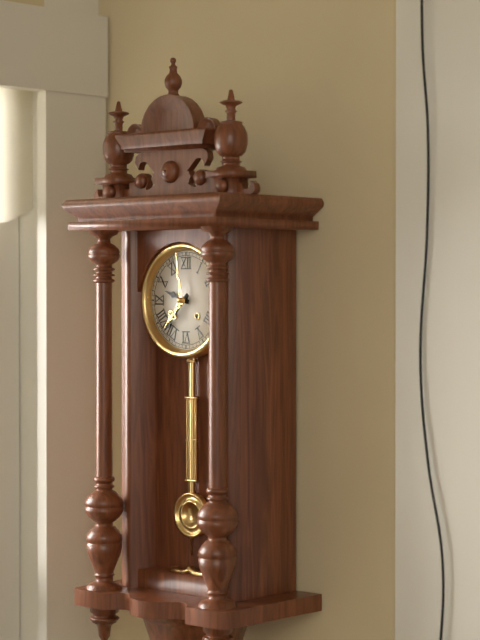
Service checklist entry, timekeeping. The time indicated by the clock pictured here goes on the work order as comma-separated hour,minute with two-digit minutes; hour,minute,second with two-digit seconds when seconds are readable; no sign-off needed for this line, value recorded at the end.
9,37
